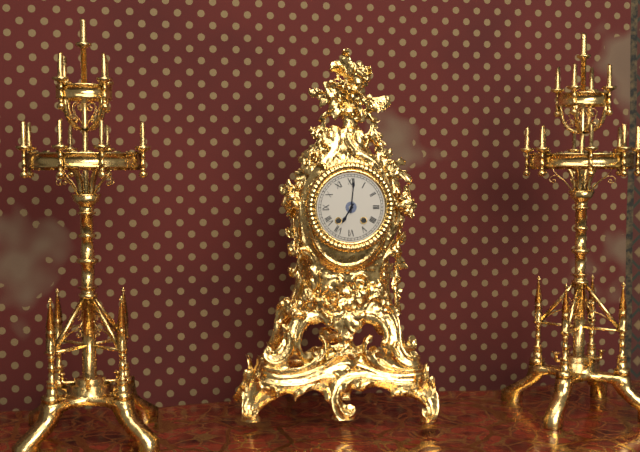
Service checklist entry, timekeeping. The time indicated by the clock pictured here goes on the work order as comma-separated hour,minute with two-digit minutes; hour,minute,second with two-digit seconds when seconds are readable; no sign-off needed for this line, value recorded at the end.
7,01
